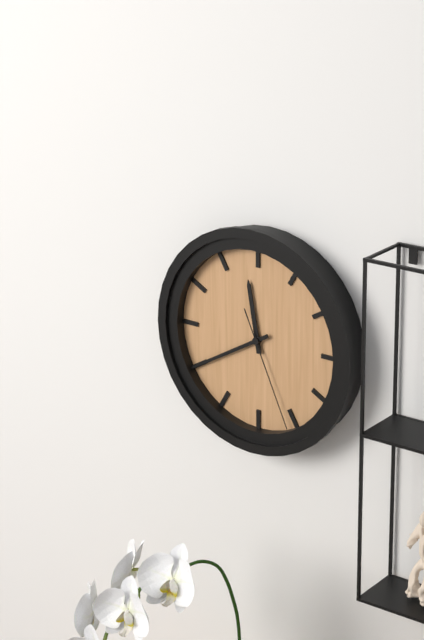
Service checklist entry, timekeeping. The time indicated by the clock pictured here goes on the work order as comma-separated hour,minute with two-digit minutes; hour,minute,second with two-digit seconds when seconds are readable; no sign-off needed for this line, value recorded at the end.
11,40,26
